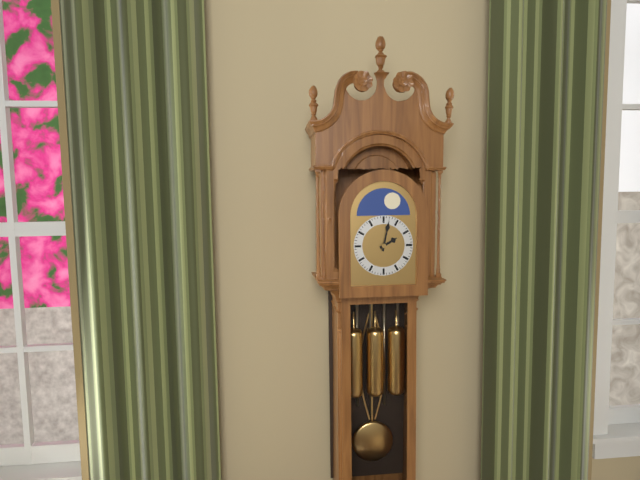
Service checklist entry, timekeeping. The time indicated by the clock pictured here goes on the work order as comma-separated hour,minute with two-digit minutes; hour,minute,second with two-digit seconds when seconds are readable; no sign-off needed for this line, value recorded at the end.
2,02
